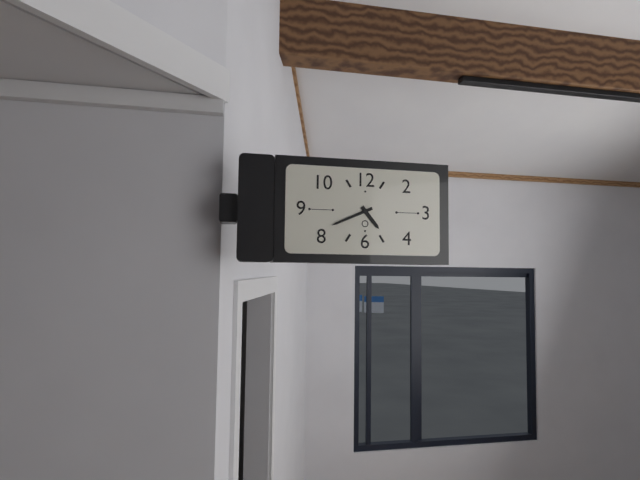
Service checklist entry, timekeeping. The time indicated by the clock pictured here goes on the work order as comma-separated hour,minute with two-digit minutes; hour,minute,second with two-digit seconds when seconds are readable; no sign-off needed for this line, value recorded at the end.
4,41
